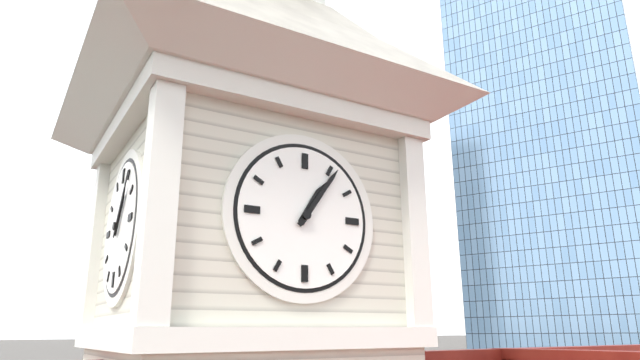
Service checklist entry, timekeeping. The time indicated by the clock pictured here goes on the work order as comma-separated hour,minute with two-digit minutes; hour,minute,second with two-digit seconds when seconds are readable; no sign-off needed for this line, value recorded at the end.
1,06
